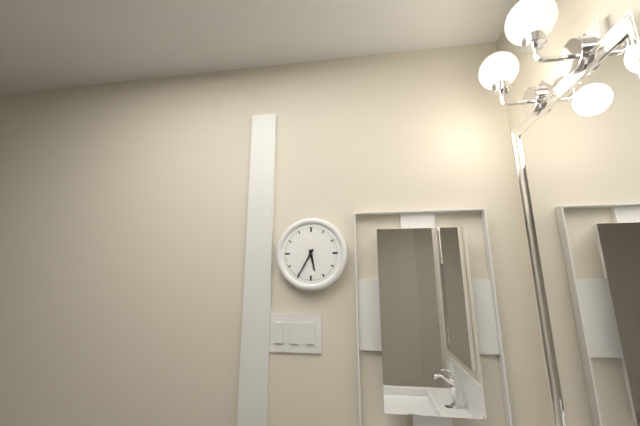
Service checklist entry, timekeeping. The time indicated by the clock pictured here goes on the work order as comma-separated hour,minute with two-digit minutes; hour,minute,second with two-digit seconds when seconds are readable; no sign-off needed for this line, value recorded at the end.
5,35
